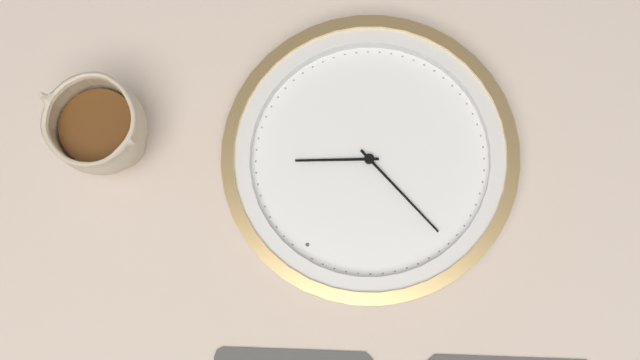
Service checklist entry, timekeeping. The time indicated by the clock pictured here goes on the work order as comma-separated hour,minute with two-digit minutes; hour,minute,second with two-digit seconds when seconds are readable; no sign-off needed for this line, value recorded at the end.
1,47
